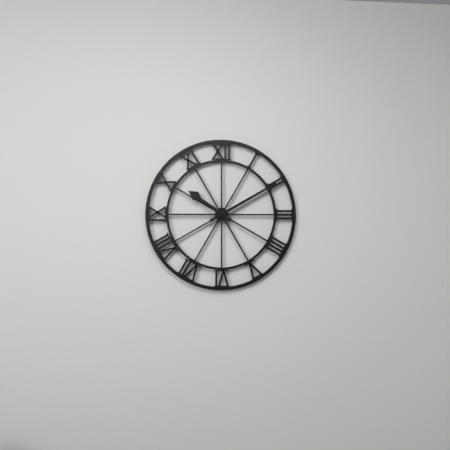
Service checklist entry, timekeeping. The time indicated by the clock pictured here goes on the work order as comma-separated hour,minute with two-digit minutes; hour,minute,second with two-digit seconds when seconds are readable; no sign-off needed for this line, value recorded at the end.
10,10
